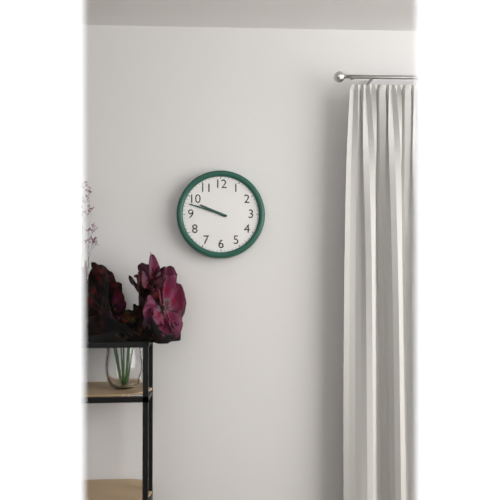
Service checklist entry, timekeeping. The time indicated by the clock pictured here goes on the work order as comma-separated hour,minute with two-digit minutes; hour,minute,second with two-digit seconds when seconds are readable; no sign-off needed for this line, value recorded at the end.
9,48
